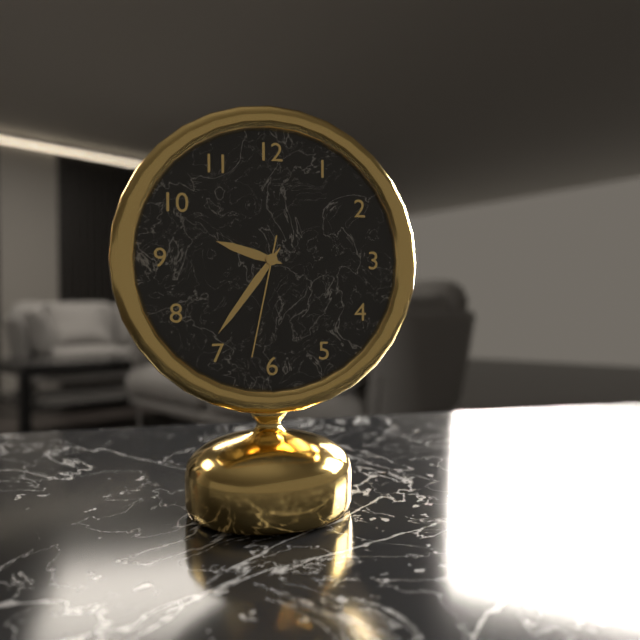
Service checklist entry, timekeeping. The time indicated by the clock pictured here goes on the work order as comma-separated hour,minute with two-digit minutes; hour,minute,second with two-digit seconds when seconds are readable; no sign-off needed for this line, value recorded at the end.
9,36,32
